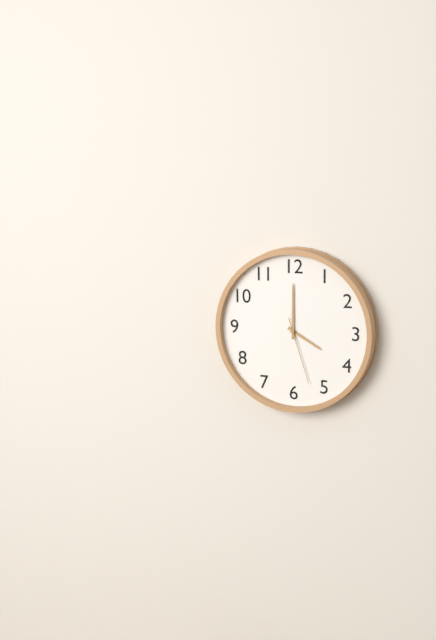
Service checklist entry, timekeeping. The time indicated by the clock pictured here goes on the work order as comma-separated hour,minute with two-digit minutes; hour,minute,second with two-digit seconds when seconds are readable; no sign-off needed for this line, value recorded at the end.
4,00,27
